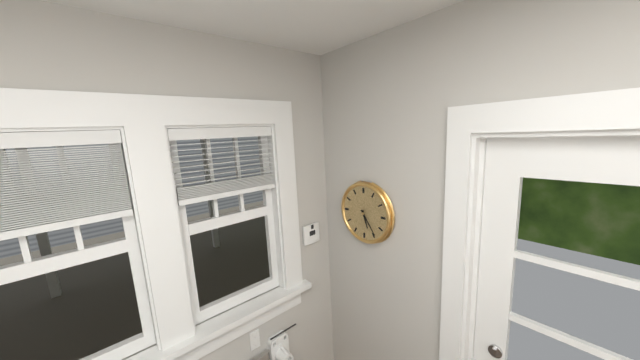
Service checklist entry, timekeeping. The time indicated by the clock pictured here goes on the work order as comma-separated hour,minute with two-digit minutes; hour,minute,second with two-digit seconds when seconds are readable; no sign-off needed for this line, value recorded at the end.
5,24
